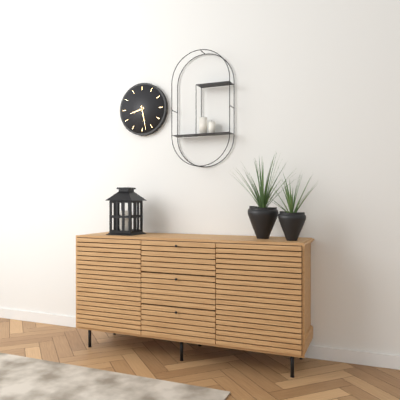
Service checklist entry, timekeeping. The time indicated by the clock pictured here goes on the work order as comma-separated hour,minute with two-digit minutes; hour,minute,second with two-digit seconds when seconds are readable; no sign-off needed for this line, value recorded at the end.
8,28
